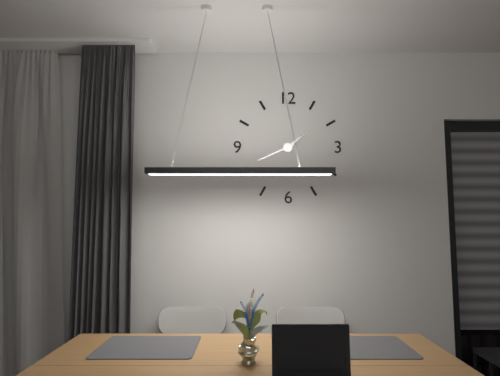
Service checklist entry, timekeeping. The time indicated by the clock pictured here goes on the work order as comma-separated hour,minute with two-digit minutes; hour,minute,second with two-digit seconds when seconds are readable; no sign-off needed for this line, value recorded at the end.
1,41
